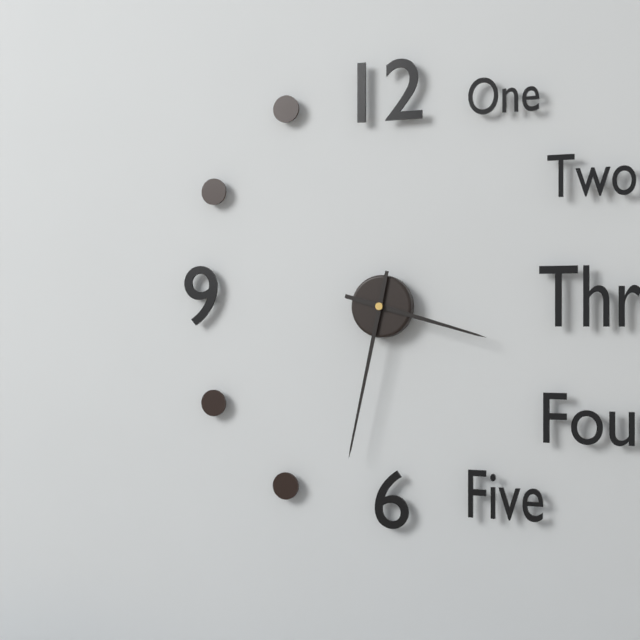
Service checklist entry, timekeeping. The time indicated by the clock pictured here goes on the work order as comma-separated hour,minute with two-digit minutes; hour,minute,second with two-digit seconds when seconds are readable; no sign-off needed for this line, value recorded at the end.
3,32
